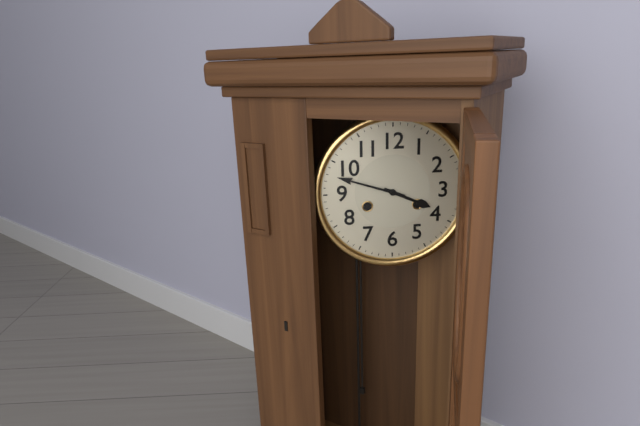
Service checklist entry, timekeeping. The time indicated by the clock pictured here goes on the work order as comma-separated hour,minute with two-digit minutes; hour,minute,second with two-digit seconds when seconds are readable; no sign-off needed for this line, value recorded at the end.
3,48
